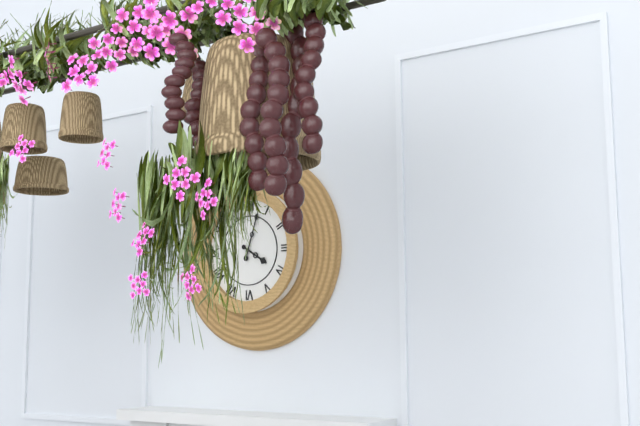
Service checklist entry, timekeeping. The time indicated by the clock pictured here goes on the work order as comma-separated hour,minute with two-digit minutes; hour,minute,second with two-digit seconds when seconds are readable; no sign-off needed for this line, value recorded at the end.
4,03
